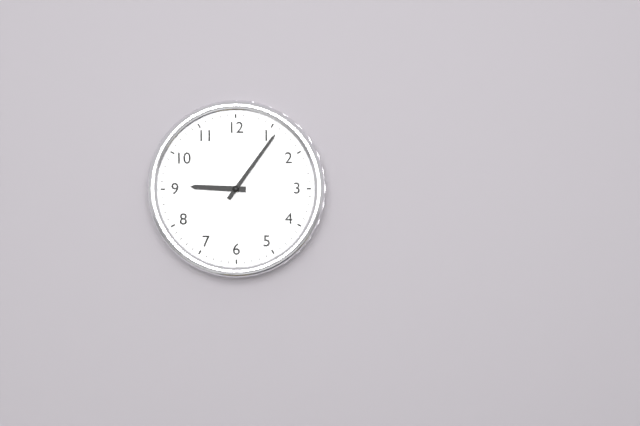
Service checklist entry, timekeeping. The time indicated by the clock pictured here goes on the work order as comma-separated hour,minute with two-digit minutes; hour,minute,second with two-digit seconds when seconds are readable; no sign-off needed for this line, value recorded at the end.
9,06
